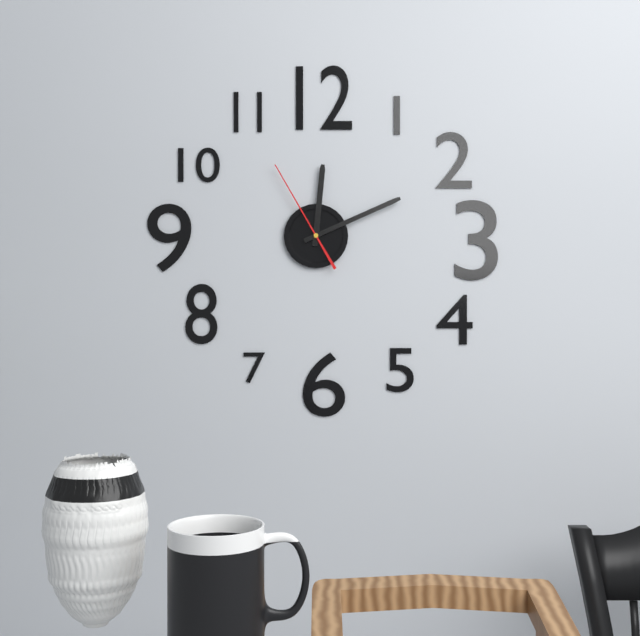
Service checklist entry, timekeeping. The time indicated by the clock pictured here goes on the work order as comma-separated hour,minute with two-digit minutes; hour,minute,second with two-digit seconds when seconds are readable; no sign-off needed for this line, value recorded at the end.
12,11,55
